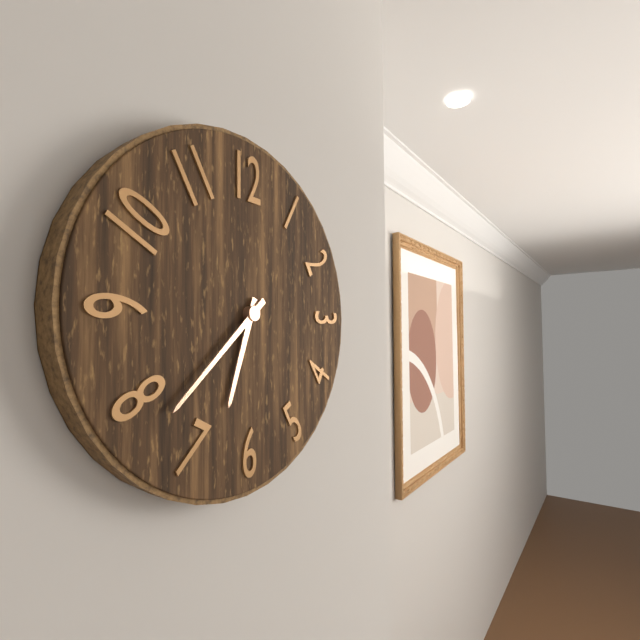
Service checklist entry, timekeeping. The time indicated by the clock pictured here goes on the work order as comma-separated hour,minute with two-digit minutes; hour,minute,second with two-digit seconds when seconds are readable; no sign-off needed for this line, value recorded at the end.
6,38
